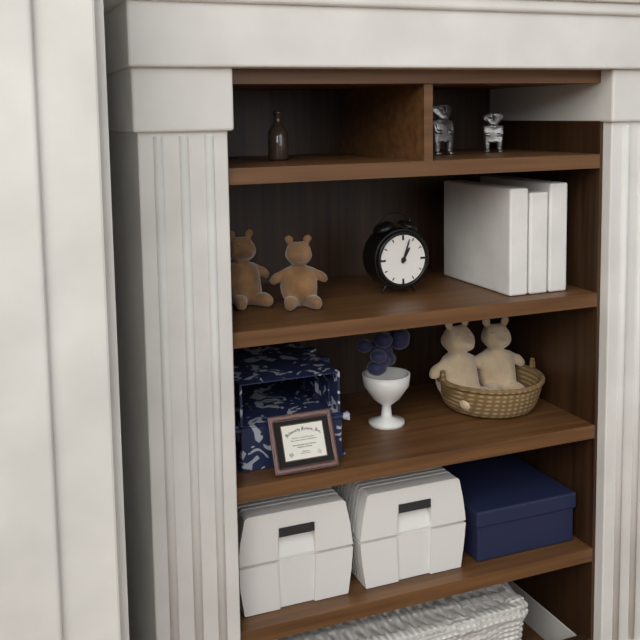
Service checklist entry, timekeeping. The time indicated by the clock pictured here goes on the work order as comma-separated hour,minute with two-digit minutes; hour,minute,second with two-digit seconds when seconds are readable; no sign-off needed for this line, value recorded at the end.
1,03
